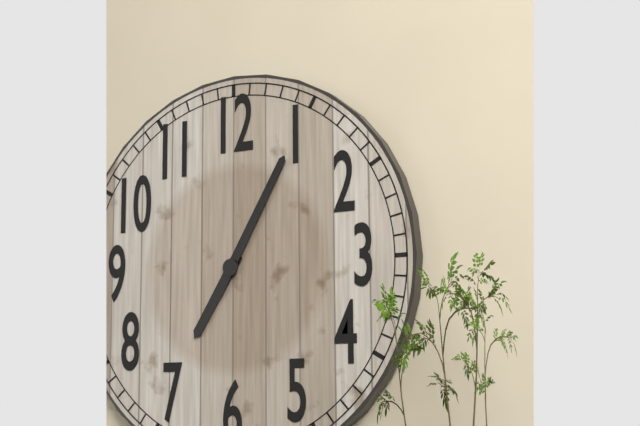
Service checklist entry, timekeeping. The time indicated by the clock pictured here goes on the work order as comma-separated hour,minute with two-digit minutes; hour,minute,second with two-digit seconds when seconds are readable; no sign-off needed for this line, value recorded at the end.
7,05
